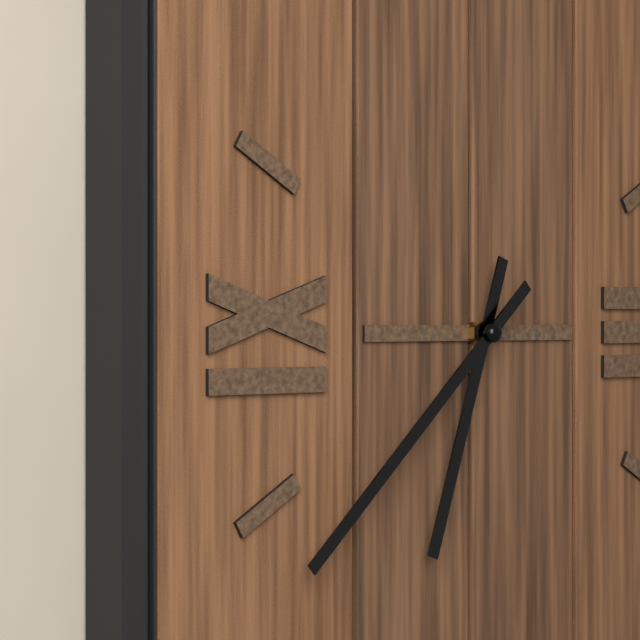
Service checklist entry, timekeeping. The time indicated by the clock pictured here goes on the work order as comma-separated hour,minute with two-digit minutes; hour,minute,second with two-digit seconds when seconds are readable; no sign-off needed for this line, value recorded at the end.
6,38
